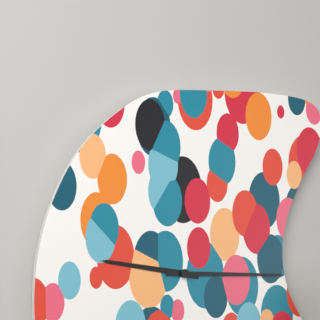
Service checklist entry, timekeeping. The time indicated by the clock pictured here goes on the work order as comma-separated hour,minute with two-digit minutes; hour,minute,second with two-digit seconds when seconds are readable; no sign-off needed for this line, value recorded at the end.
9,15
